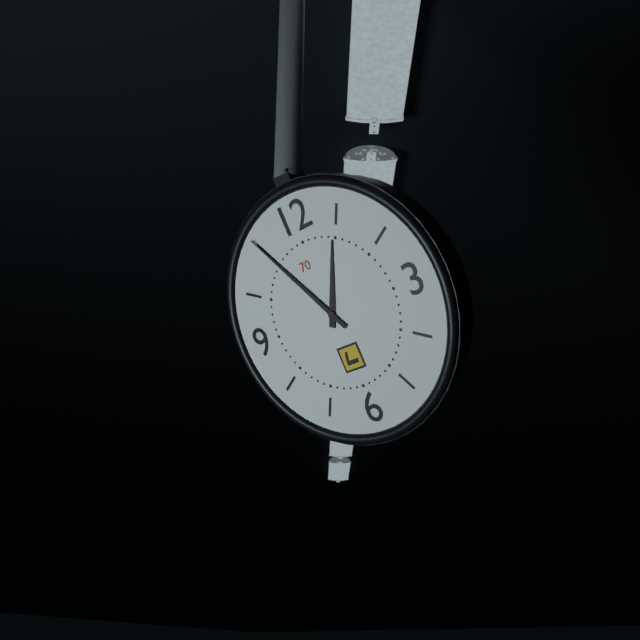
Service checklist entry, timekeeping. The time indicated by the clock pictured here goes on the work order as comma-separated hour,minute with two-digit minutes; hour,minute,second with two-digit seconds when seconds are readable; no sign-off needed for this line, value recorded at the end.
12,55
